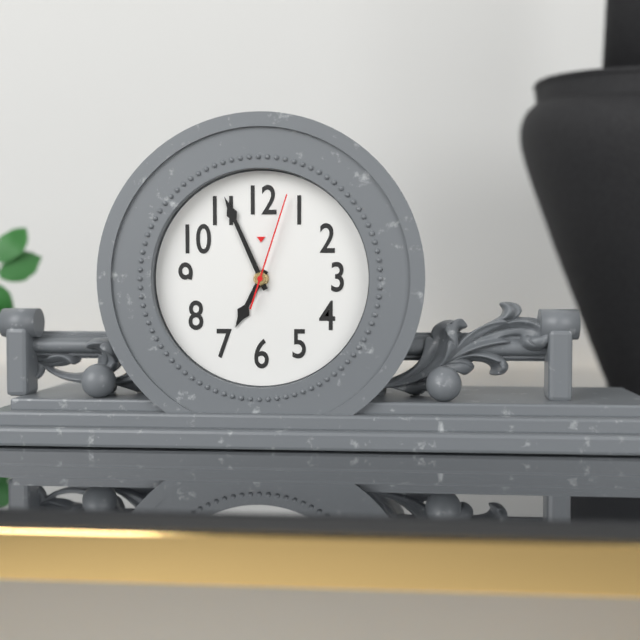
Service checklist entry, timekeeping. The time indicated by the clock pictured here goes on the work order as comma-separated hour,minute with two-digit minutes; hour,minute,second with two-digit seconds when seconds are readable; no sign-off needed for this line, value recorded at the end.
6,56,03
